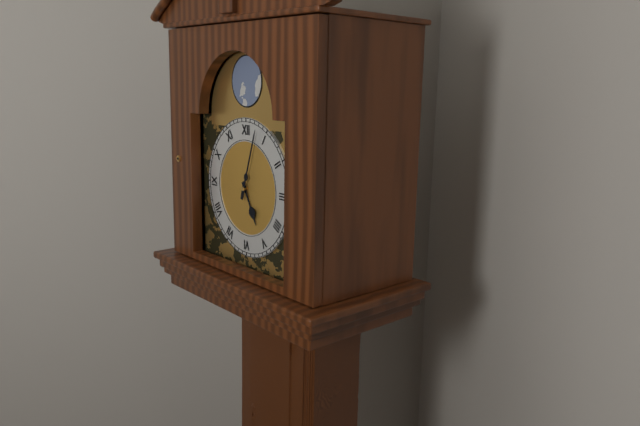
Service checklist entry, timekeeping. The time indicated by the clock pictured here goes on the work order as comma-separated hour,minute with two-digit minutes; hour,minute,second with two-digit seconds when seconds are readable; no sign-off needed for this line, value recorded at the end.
5,03
